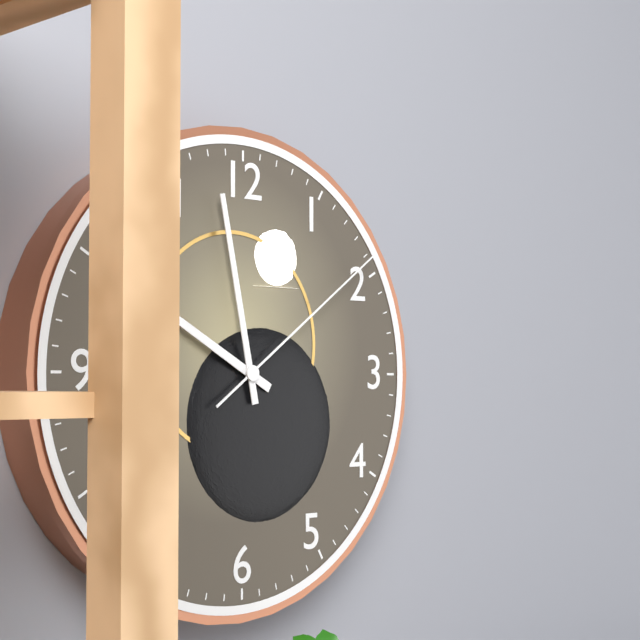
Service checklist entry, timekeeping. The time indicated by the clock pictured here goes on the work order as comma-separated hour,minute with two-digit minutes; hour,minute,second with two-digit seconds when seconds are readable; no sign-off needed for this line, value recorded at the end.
9,58,09
